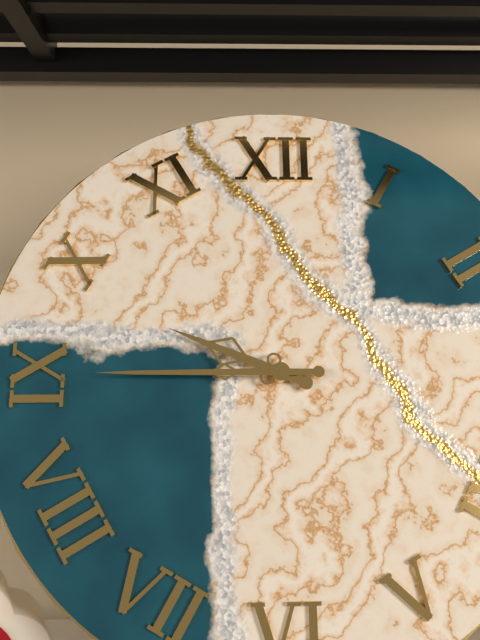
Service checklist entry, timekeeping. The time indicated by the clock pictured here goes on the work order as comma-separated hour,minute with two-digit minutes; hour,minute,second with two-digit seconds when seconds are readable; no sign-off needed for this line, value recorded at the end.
9,45
